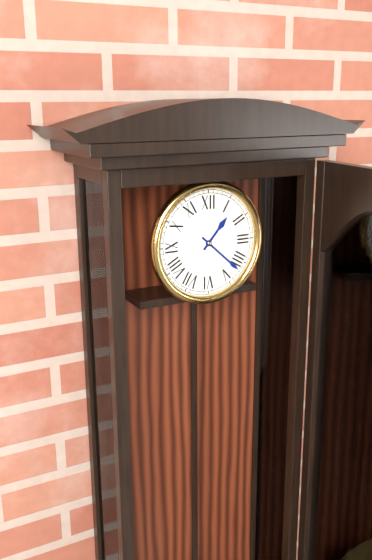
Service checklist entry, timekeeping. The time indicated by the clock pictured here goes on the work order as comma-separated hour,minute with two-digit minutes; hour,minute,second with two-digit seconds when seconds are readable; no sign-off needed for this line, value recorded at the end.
1,22
